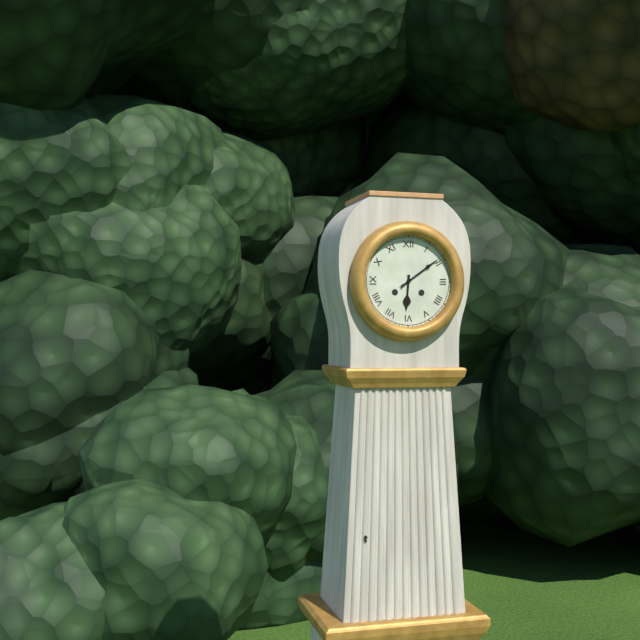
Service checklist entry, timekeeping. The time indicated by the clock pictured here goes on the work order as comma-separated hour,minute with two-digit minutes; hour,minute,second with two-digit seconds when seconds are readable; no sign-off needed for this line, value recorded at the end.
6,09
